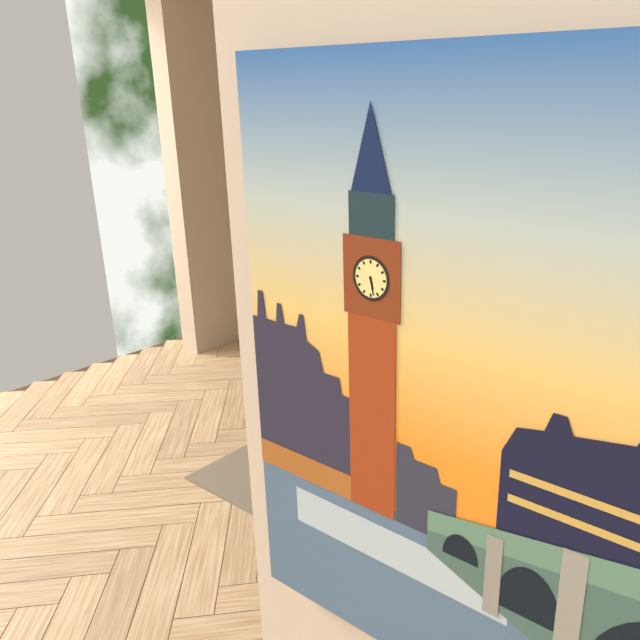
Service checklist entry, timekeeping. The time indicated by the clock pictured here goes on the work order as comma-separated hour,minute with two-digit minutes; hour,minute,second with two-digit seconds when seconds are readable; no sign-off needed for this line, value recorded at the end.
5,28
